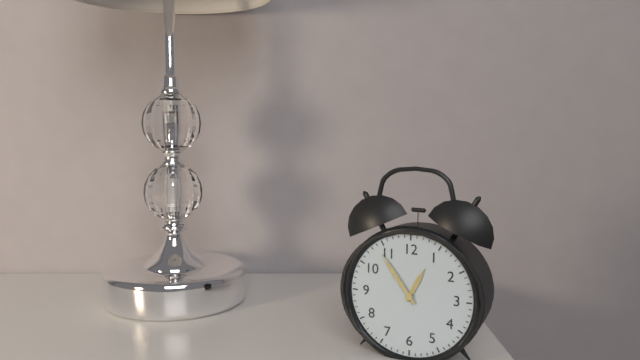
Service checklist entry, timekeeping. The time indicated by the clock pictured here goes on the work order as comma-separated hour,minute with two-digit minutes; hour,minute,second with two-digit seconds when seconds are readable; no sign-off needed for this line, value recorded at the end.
12,54
